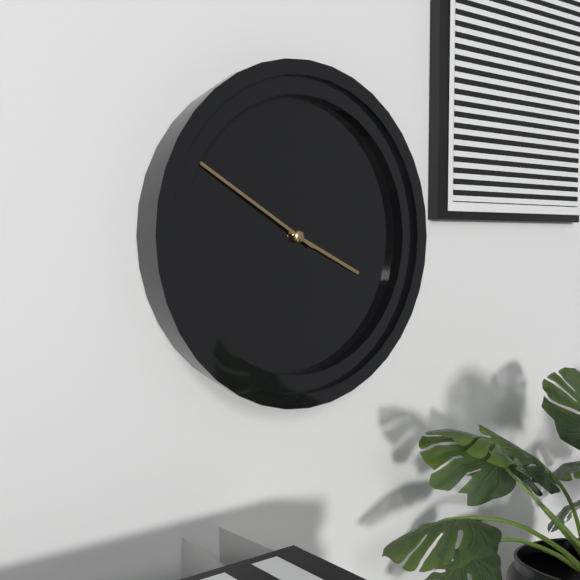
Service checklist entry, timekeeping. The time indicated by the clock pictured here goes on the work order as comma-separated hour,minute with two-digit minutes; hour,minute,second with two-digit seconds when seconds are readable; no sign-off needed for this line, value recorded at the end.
3,50
